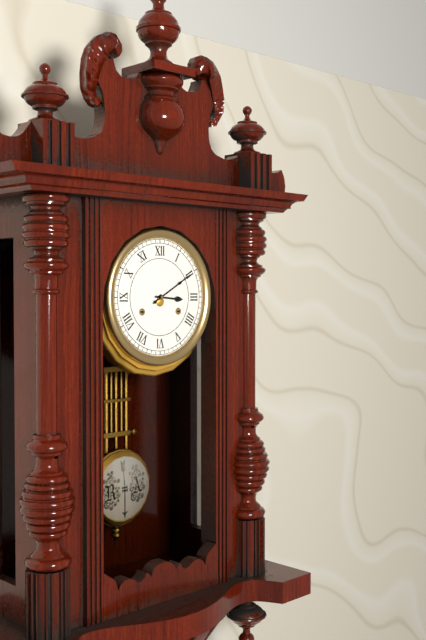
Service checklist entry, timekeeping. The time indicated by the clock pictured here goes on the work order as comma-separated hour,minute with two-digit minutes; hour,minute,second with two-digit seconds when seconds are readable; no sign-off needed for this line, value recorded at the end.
3,10
